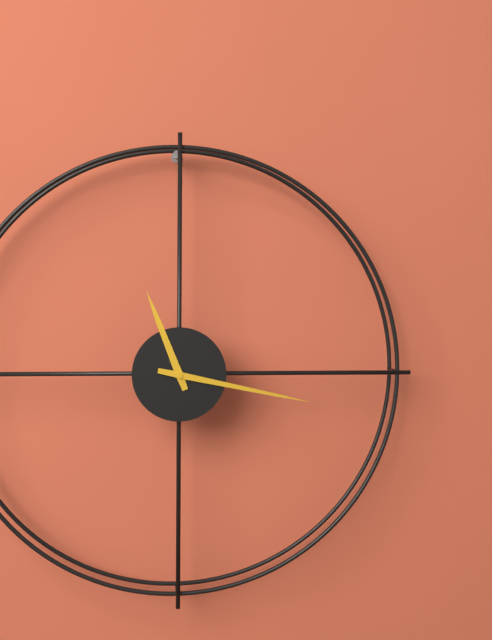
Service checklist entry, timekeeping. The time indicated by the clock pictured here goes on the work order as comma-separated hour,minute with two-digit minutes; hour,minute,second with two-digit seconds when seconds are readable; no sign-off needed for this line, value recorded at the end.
11,17
